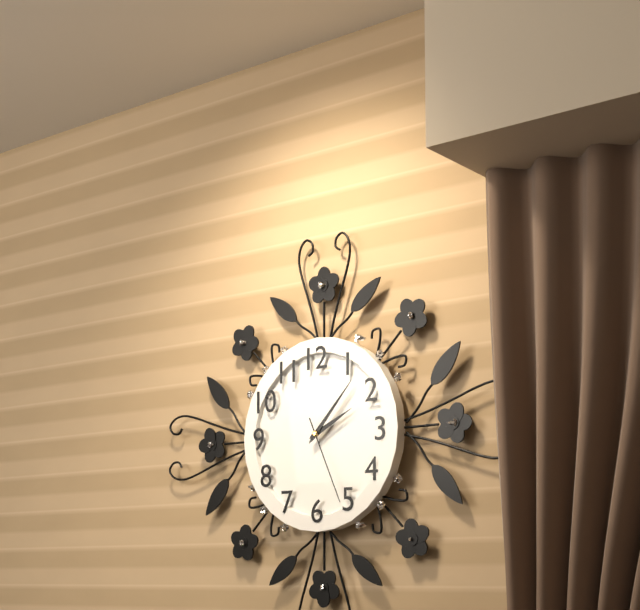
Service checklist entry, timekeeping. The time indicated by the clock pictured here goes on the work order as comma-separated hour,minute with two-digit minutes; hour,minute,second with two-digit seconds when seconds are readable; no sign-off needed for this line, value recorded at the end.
2,07,26
